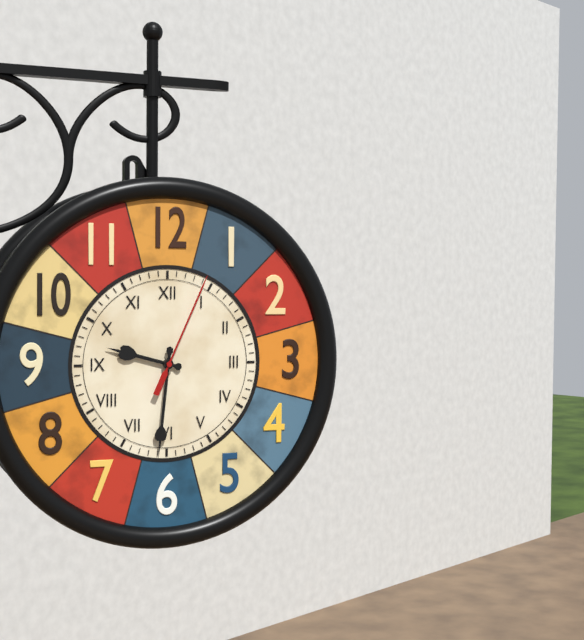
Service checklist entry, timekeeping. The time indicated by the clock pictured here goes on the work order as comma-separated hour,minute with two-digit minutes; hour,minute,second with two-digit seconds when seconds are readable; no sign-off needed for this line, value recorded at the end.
9,31,04
